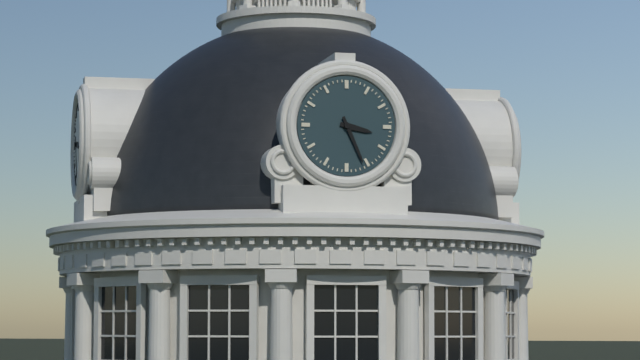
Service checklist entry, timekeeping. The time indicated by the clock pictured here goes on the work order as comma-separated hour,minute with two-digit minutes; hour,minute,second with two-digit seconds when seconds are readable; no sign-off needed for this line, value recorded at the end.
3,26
